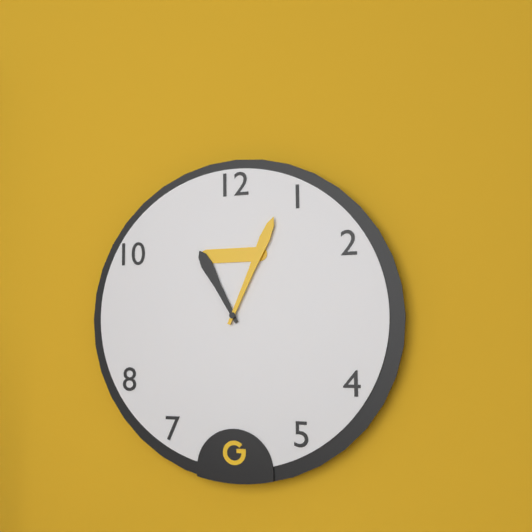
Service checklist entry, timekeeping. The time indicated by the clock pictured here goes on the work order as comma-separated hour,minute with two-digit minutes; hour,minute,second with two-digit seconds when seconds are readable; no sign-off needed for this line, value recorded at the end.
11,04
